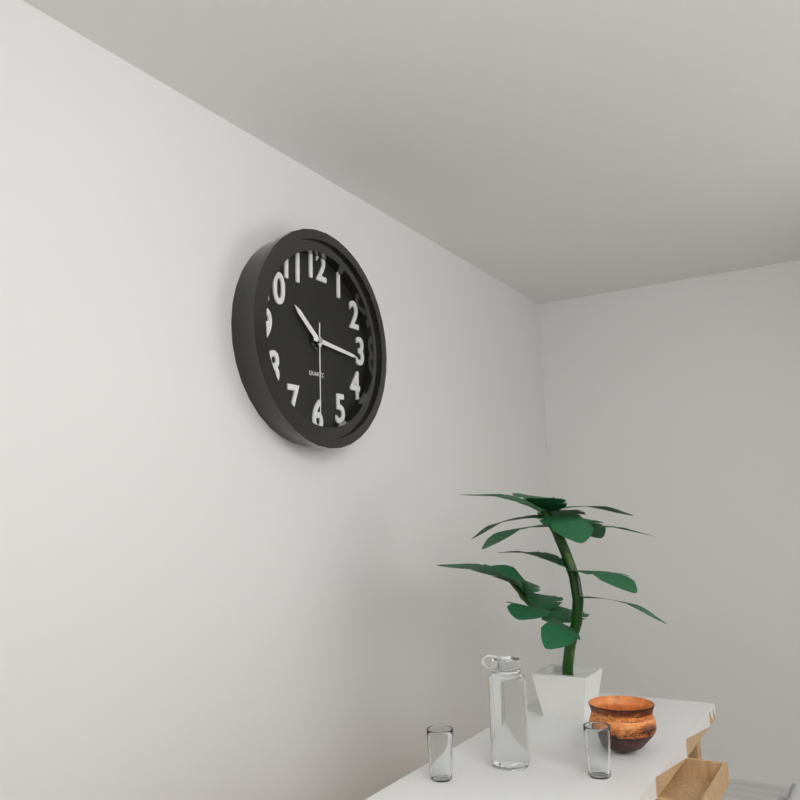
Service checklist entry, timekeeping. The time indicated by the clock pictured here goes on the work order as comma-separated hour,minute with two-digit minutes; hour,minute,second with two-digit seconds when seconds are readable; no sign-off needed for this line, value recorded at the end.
10,16,30
